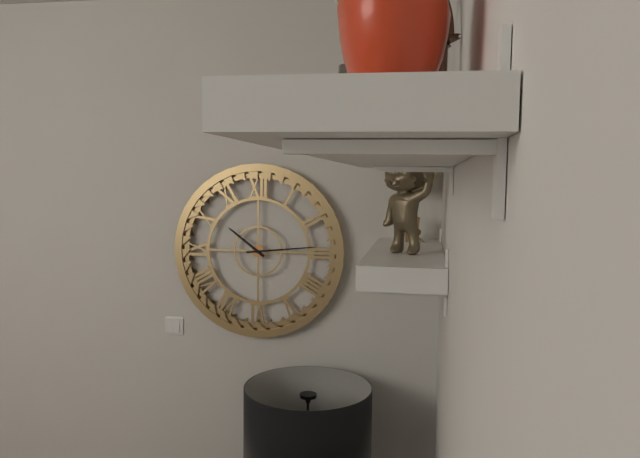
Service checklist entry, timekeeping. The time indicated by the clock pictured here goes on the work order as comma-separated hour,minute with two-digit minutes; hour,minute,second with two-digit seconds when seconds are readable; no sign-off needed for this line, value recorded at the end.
10,14
